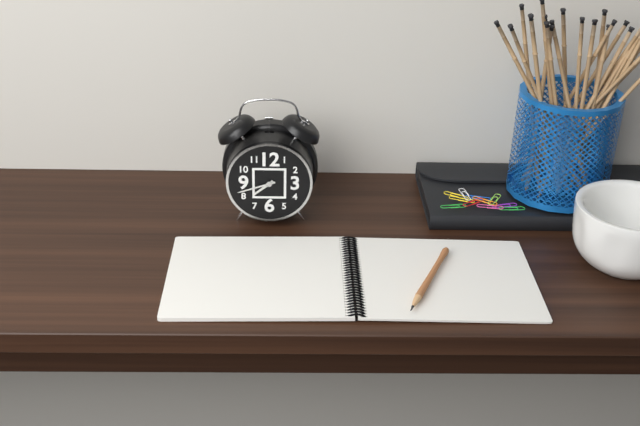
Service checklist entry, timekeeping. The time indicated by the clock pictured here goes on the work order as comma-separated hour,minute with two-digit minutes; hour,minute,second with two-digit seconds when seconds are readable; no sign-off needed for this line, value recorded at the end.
7,42
